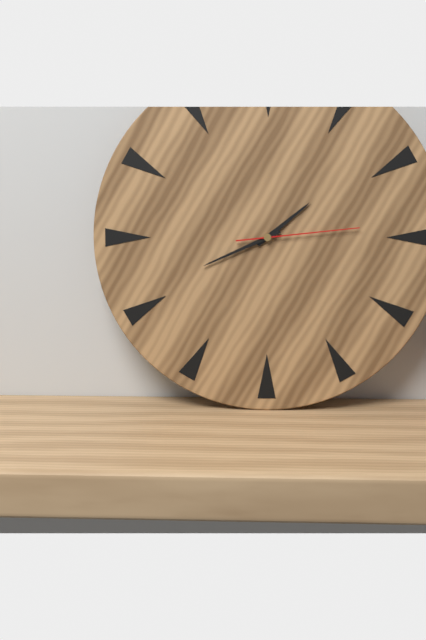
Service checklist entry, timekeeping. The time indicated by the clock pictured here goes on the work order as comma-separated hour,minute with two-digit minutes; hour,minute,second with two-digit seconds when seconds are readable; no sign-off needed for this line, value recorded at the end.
1,41,14
